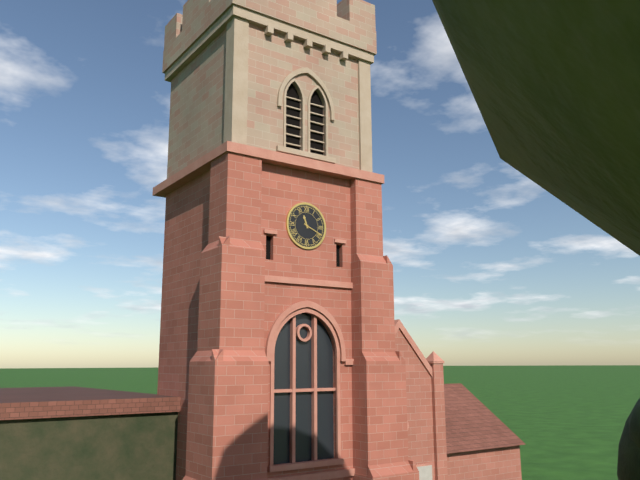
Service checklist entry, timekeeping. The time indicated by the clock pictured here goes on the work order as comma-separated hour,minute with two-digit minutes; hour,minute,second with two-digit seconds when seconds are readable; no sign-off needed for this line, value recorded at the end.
11,19
